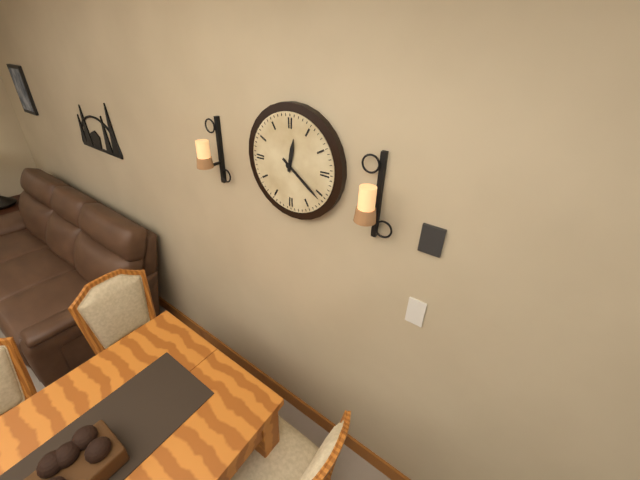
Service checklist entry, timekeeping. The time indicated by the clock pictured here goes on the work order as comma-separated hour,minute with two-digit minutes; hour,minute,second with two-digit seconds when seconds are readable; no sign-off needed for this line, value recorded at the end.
12,21
